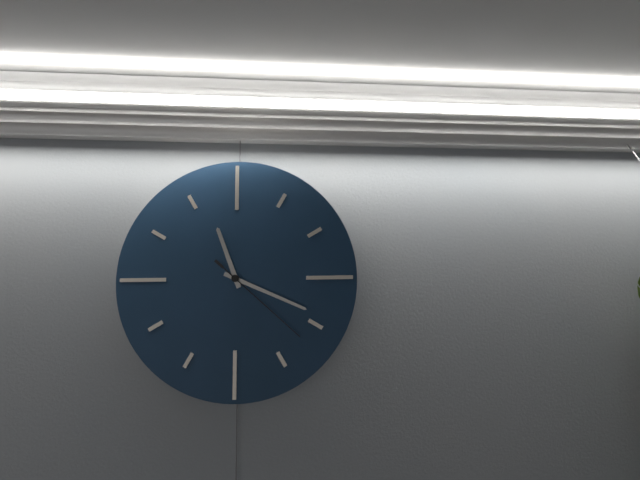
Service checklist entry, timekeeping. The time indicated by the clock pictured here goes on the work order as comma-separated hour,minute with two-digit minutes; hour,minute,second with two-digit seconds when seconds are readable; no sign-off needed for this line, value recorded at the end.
11,19,22
